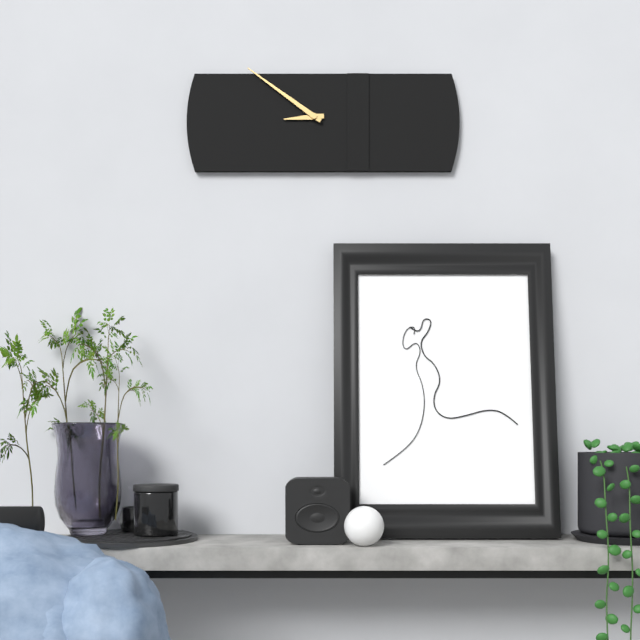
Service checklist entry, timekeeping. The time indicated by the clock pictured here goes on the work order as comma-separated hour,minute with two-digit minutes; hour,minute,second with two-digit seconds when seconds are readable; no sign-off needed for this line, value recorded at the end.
8,51
